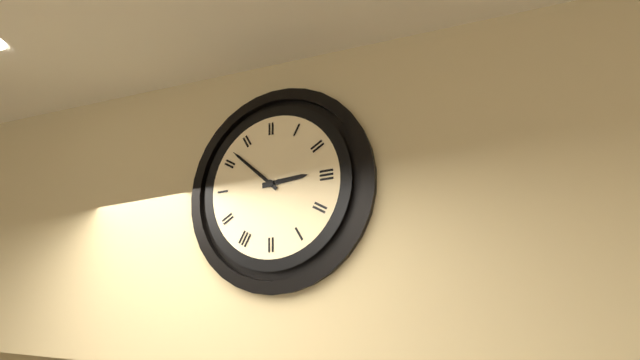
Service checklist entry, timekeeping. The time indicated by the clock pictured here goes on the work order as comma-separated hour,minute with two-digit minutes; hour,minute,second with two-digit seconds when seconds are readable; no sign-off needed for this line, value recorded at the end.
2,52
